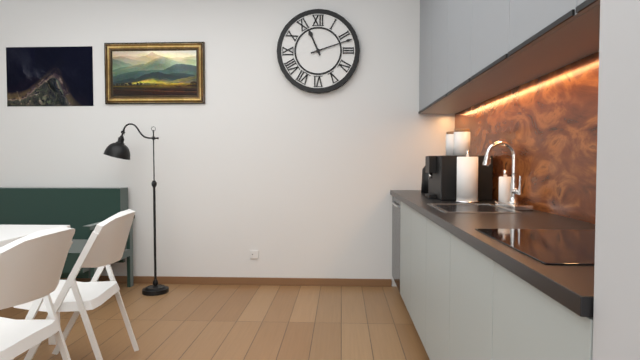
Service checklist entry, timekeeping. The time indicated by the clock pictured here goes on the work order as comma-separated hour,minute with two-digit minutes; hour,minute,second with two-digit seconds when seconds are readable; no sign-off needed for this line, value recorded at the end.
11,12
